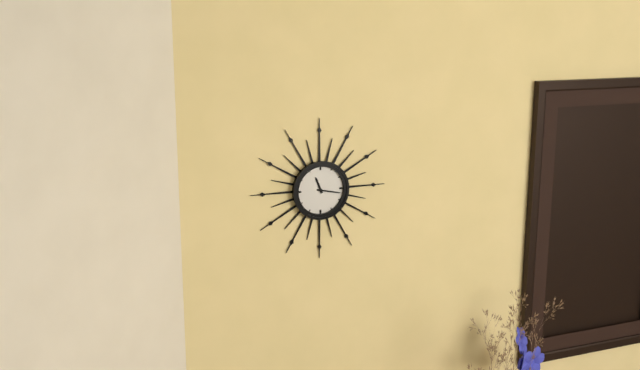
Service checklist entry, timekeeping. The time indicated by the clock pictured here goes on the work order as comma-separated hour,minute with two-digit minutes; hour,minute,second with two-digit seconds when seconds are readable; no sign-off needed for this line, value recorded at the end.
11,17
